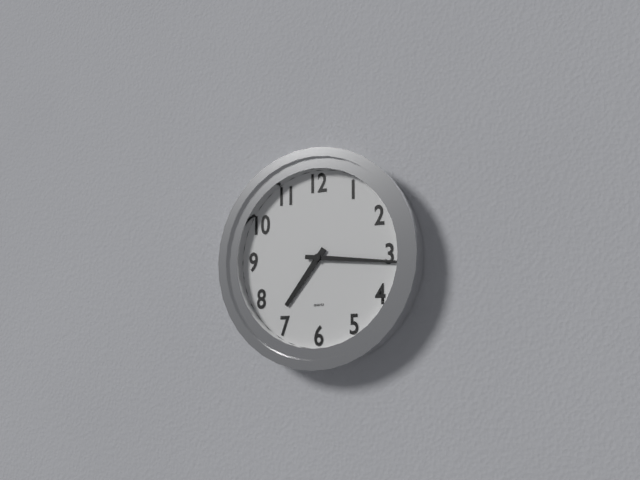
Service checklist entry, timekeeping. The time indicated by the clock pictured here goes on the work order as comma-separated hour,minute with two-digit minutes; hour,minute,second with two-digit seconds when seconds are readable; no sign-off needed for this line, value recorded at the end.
7,16
